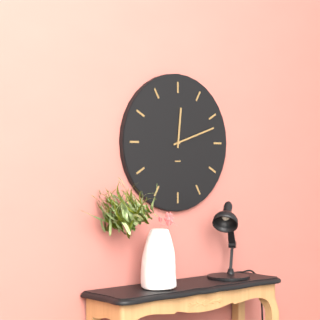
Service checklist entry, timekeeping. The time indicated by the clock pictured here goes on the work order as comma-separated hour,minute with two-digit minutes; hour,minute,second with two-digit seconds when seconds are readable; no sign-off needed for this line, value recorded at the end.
12,12
